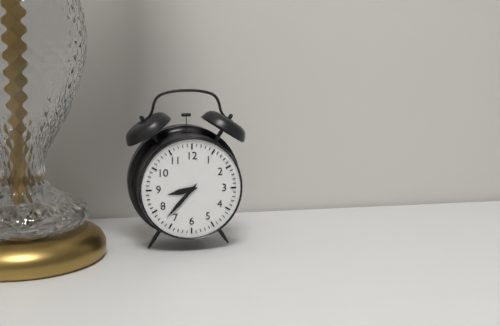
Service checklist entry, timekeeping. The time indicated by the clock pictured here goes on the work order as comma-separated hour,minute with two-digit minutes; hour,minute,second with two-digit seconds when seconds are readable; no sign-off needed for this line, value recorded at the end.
8,37
